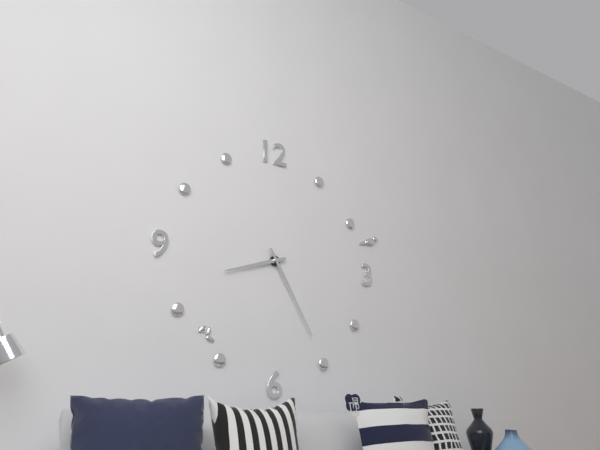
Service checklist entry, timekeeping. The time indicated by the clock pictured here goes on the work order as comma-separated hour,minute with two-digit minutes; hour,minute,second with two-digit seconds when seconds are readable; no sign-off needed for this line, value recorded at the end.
8,25
